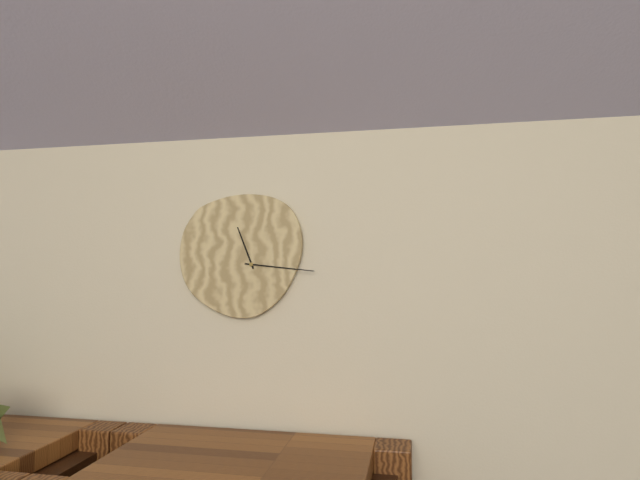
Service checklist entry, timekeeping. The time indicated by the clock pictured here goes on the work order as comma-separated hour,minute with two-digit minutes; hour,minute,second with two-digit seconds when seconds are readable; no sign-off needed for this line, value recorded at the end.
11,16
